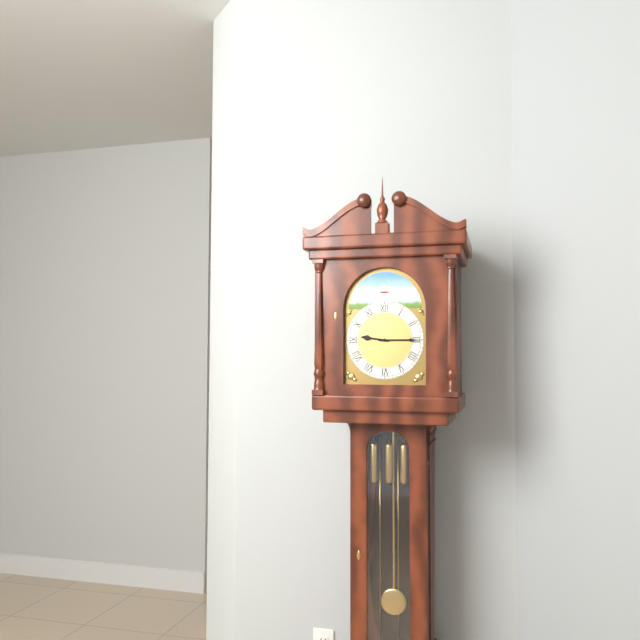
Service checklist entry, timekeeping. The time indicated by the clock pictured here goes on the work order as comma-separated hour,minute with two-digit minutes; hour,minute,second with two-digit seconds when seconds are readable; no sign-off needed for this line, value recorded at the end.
9,15
